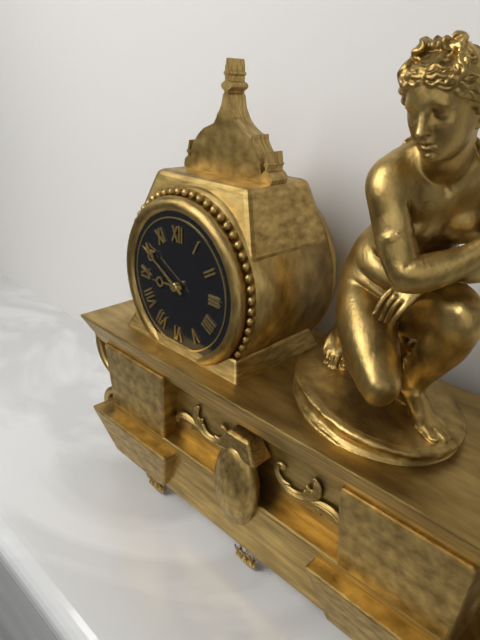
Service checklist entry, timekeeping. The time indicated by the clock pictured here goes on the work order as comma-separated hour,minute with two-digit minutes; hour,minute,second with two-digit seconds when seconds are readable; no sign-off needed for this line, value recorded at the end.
8,50
